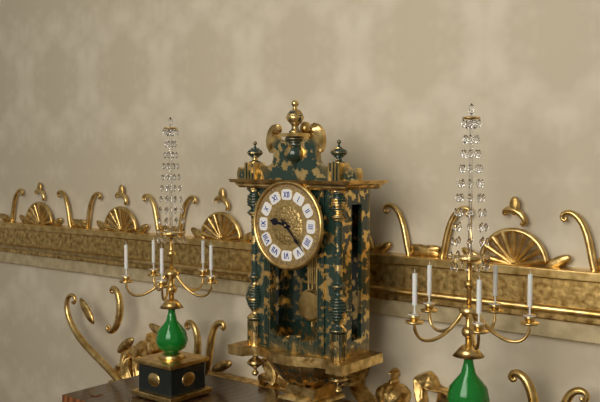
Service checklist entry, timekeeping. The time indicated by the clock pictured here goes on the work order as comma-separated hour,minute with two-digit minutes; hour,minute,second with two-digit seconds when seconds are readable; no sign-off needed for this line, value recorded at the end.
9,23
